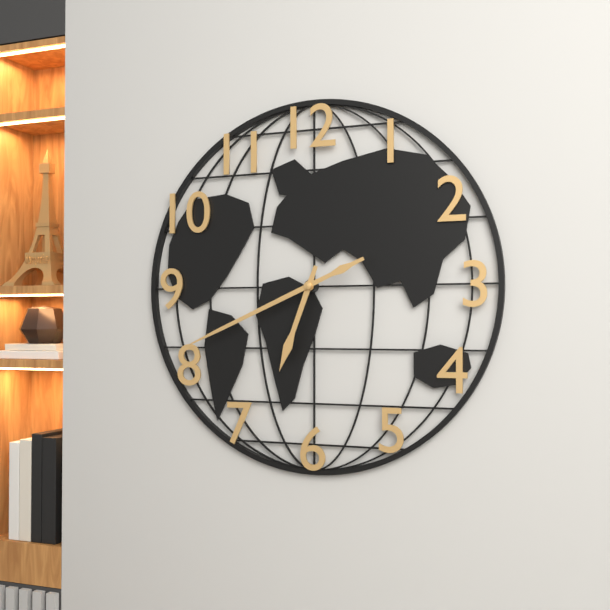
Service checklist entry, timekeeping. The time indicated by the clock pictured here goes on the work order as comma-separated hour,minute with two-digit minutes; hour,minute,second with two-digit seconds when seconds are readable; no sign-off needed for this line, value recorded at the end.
6,41
